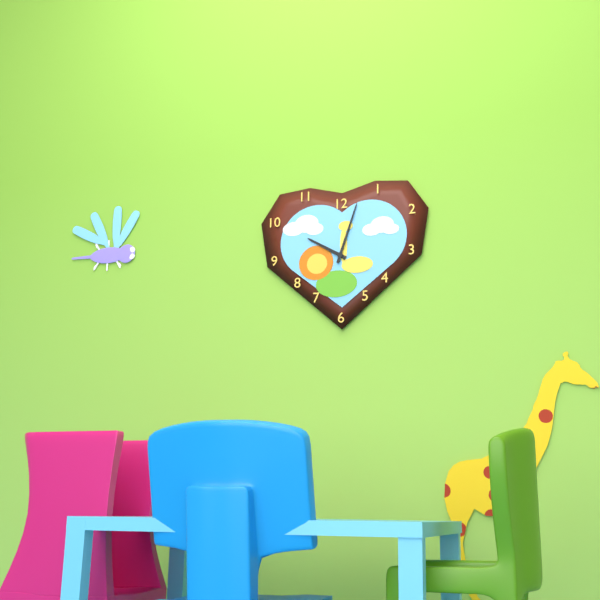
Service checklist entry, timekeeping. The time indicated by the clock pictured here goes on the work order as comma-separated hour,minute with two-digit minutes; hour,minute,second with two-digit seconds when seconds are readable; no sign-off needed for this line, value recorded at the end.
10,03
